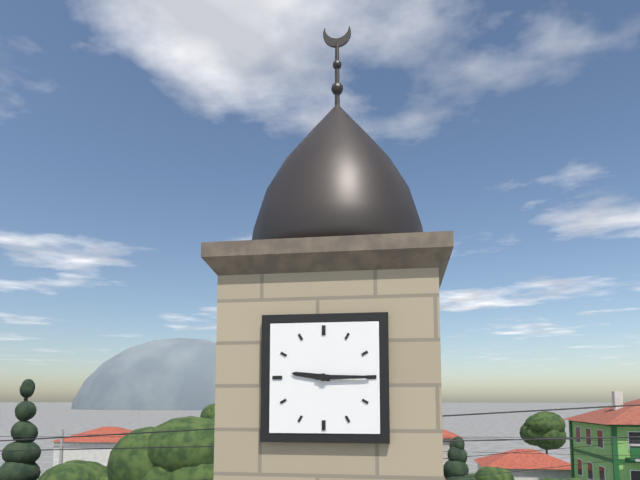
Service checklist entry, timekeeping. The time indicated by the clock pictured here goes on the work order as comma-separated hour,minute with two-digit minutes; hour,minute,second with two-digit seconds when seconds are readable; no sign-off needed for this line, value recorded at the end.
9,15
